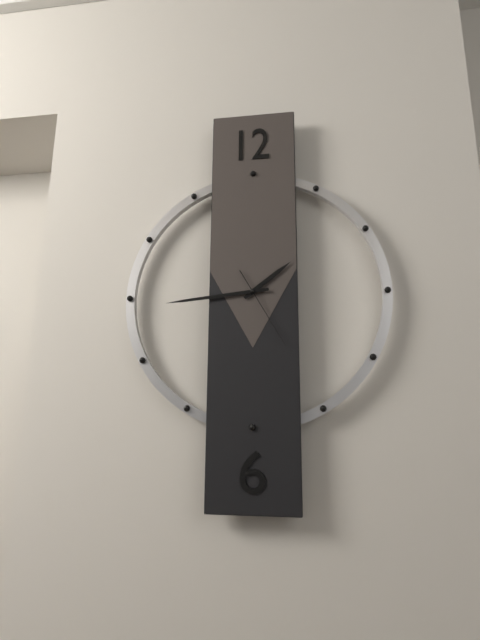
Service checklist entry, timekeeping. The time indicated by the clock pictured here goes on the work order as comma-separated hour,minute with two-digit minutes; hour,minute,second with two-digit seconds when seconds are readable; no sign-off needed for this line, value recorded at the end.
1,44,25
